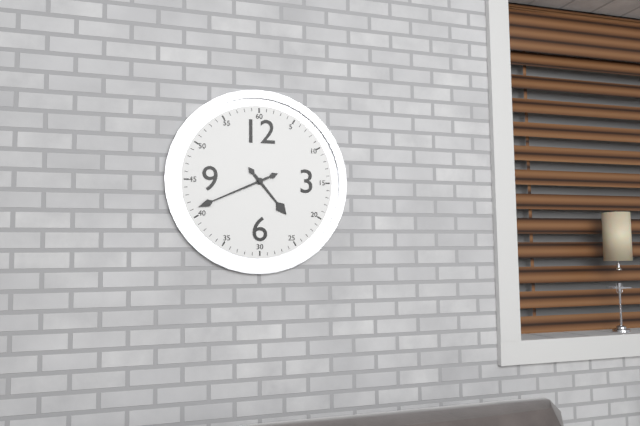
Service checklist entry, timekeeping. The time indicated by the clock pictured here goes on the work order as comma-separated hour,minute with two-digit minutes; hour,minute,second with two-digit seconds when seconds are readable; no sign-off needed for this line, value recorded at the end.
4,41
